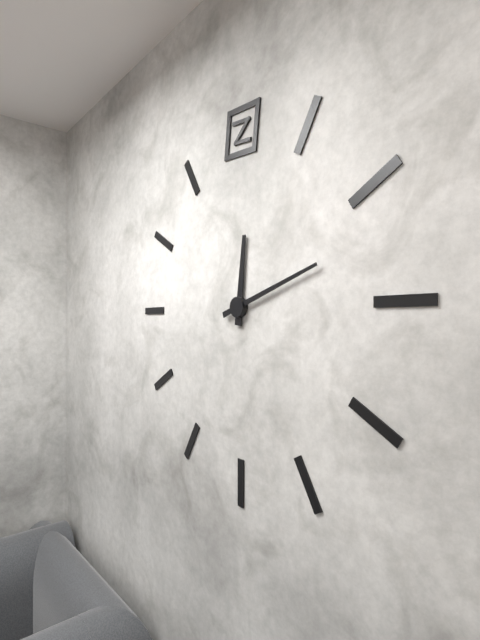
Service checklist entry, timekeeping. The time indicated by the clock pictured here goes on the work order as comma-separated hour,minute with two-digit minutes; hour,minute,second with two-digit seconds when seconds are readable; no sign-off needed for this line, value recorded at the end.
12,12
